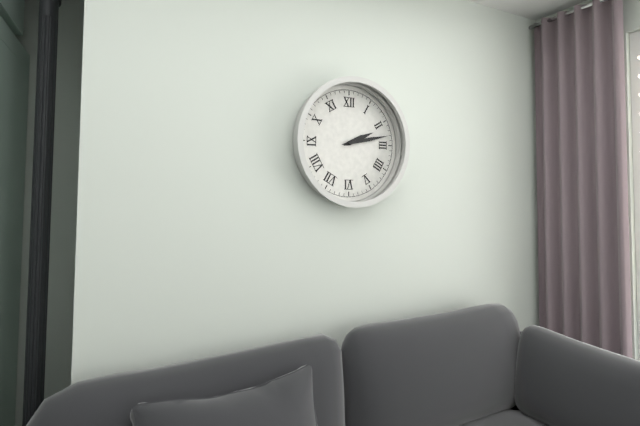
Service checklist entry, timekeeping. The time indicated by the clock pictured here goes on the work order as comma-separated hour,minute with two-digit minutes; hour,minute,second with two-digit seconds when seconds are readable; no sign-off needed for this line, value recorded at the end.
2,13
